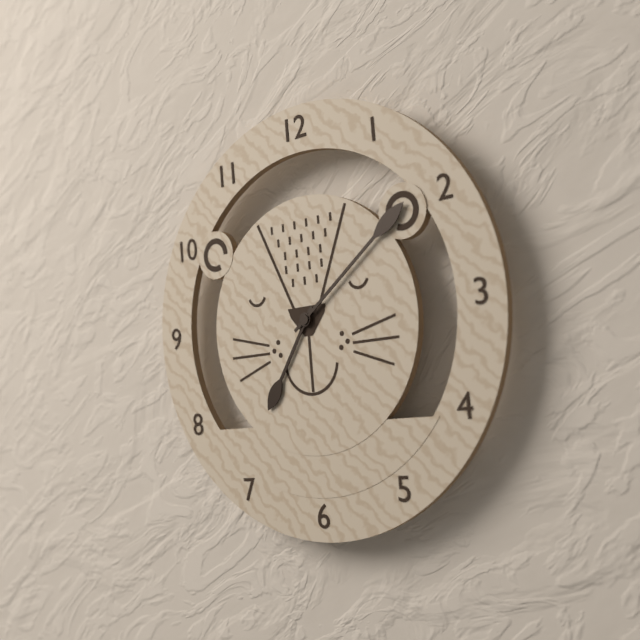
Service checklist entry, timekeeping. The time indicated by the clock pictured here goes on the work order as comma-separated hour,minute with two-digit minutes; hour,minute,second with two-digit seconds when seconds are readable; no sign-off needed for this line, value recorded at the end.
7,09
